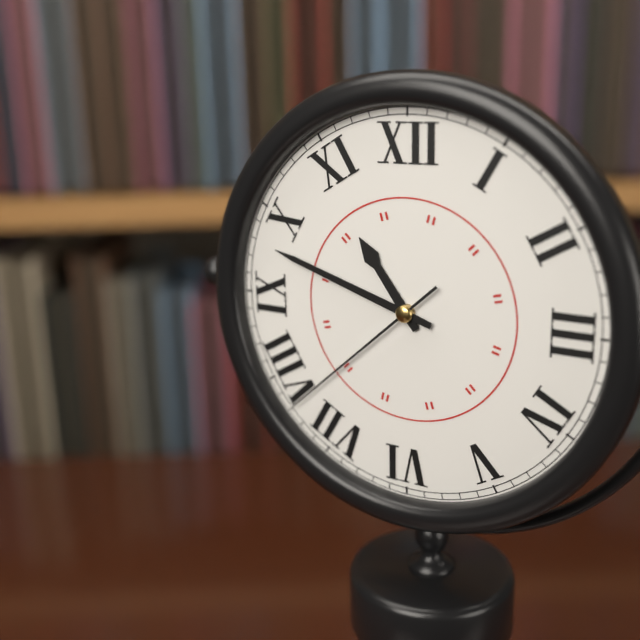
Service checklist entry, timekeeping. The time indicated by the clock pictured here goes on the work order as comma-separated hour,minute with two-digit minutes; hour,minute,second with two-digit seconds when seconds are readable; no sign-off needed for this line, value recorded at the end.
10,48,38
